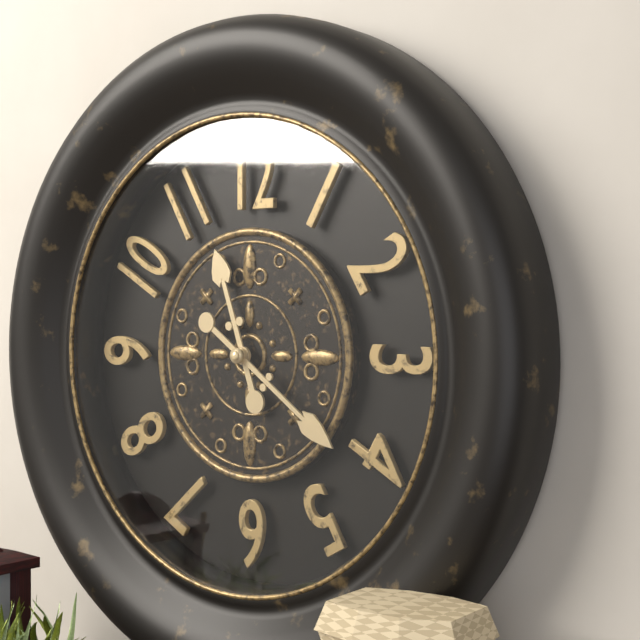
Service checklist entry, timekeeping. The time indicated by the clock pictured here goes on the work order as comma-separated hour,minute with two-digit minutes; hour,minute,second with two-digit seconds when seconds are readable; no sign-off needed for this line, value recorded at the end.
11,21
